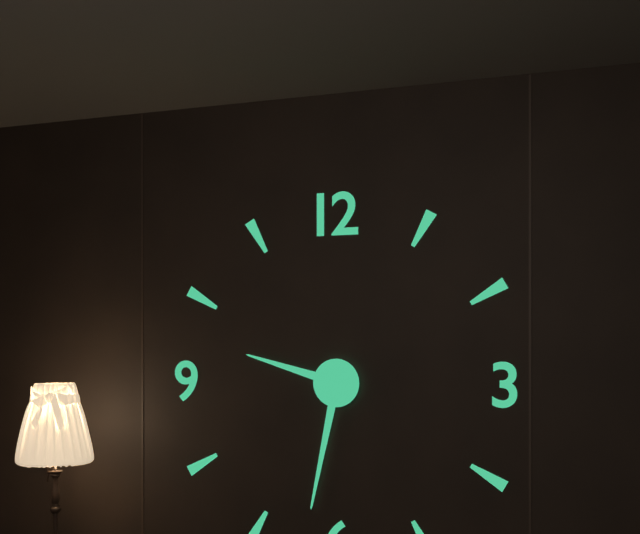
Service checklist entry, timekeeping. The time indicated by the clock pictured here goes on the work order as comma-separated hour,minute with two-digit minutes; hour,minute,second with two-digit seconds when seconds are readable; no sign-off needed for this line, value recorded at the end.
9,32
